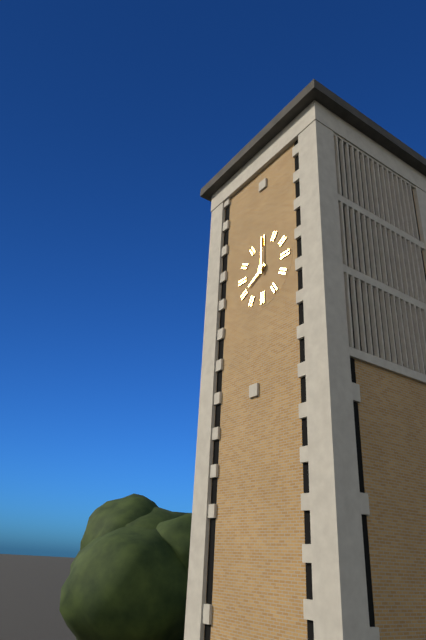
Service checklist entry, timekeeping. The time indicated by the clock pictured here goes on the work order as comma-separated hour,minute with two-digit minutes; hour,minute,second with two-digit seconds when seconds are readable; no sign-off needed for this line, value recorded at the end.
8,00
